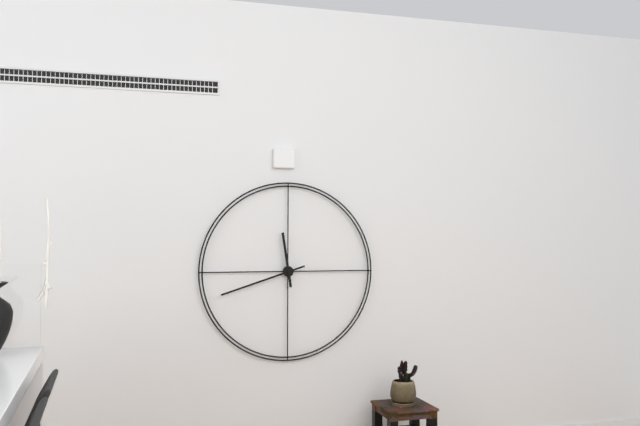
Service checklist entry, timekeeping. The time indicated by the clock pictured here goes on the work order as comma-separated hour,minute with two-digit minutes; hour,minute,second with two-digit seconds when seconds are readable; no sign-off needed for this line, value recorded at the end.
11,42
